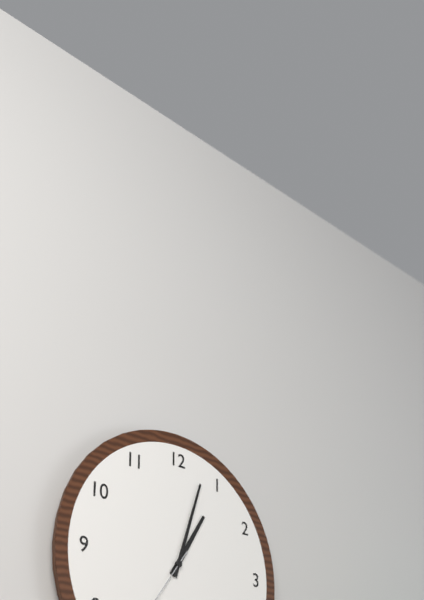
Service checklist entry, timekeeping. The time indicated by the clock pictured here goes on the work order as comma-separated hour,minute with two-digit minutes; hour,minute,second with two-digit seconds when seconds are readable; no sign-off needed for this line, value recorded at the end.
1,03
